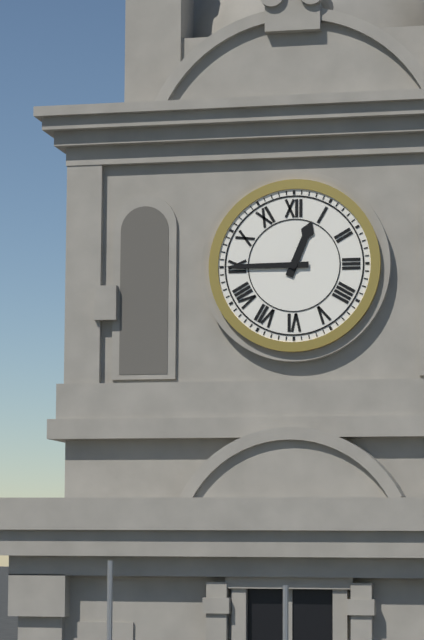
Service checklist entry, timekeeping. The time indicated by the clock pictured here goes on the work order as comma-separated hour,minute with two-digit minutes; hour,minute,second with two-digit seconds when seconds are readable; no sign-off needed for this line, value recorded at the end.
12,45
